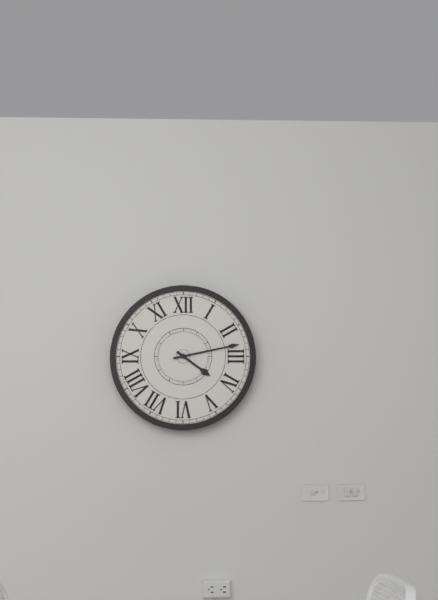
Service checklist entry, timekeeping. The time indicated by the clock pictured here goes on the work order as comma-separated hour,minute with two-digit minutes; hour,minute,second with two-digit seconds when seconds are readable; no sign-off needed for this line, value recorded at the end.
4,13
